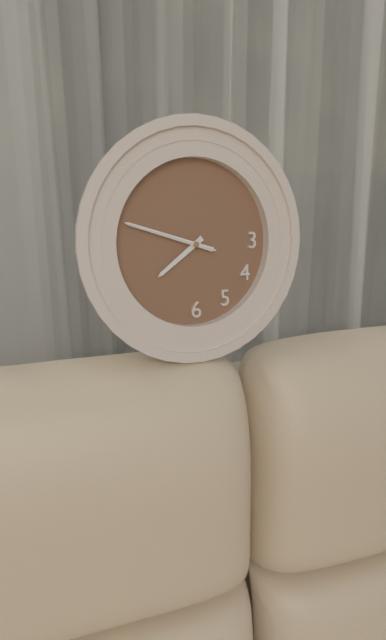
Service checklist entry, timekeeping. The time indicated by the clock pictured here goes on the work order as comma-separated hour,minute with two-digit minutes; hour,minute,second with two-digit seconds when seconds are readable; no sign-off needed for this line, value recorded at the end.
7,48,48
